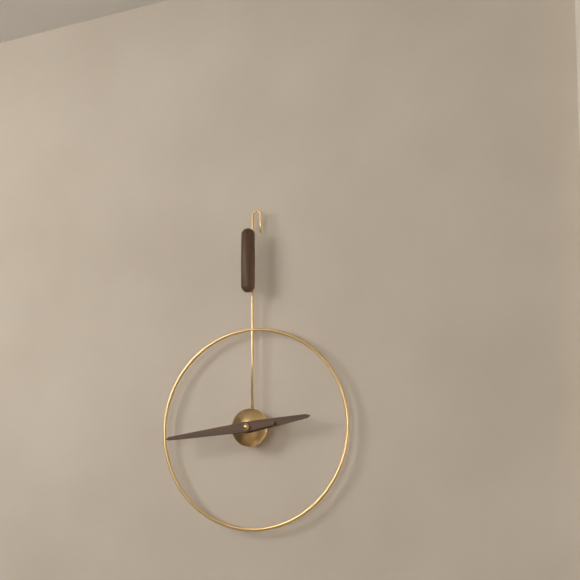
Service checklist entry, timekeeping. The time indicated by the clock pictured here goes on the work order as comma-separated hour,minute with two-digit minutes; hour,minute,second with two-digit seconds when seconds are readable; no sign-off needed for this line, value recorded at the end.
2,44
